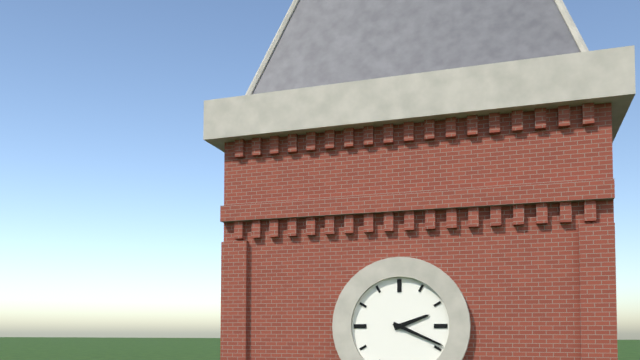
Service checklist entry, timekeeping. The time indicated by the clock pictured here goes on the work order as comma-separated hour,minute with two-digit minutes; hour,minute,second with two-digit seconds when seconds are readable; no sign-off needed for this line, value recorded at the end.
2,19
